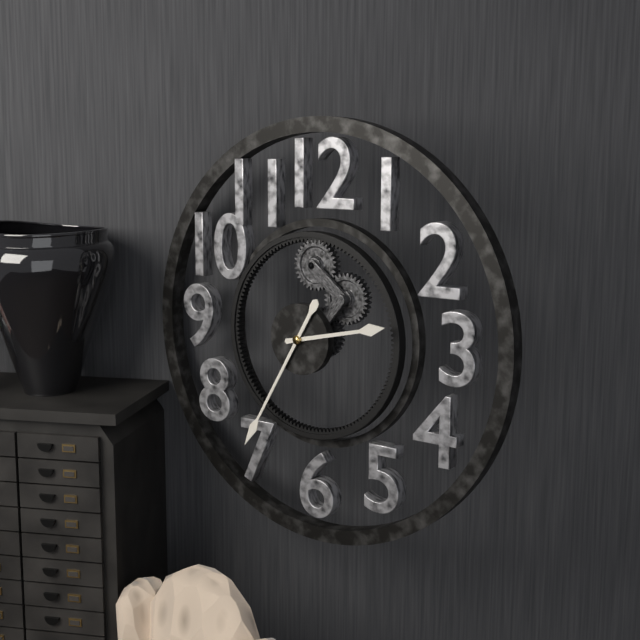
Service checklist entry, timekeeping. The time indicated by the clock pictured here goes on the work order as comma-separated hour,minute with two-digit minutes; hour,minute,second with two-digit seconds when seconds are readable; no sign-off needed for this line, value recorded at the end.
2,35
